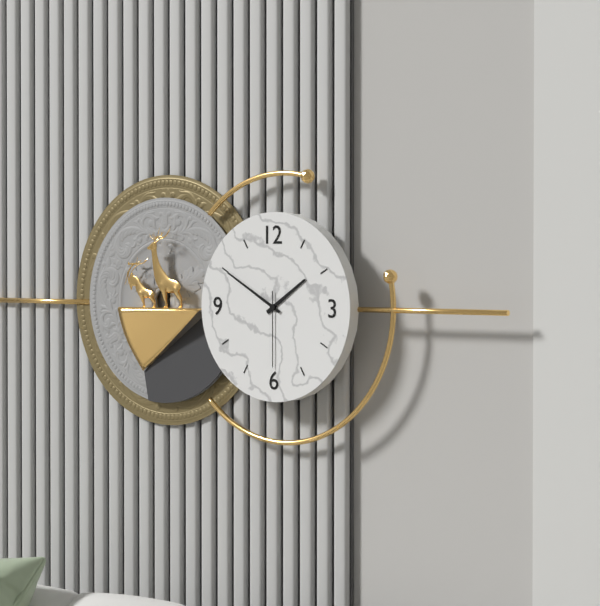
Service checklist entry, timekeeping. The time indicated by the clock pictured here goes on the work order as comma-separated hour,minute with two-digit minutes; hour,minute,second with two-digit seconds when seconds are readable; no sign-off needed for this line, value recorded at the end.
1,50,30
